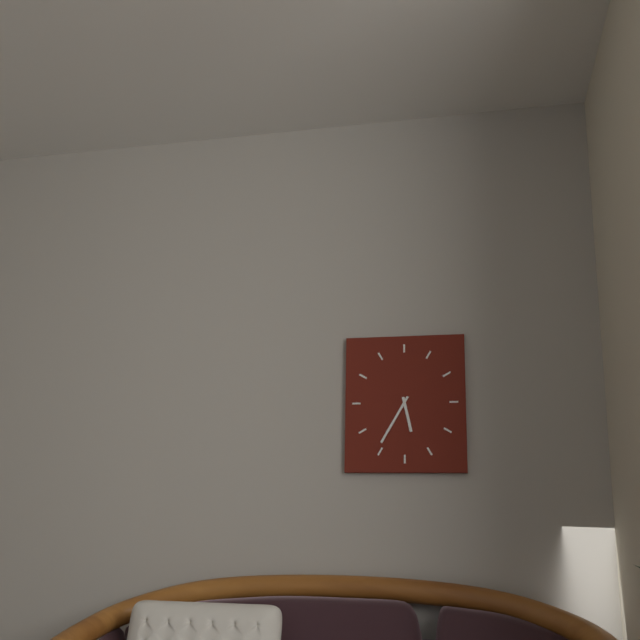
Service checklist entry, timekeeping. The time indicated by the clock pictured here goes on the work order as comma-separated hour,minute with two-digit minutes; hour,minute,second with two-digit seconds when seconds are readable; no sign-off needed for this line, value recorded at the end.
5,35
